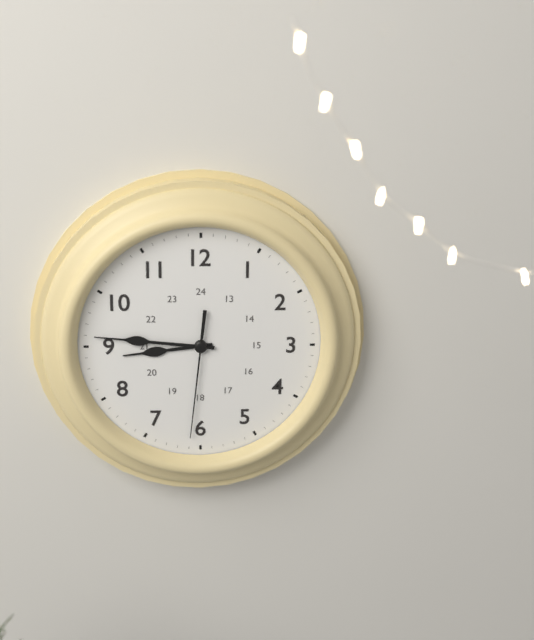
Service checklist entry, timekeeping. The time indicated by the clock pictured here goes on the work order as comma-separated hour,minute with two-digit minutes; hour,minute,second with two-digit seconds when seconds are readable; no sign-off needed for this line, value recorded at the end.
8,46,31
